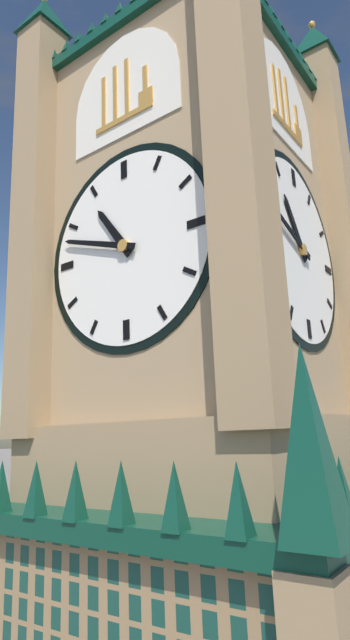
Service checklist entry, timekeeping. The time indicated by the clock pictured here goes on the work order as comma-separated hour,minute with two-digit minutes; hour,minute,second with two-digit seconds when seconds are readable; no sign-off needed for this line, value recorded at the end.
10,48
